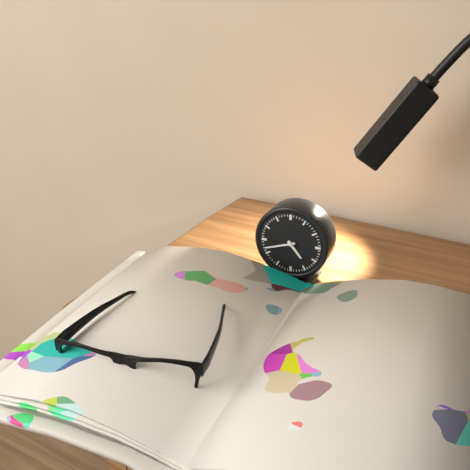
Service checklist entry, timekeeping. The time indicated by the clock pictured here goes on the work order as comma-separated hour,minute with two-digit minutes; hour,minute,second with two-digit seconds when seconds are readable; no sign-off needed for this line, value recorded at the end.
4,42
